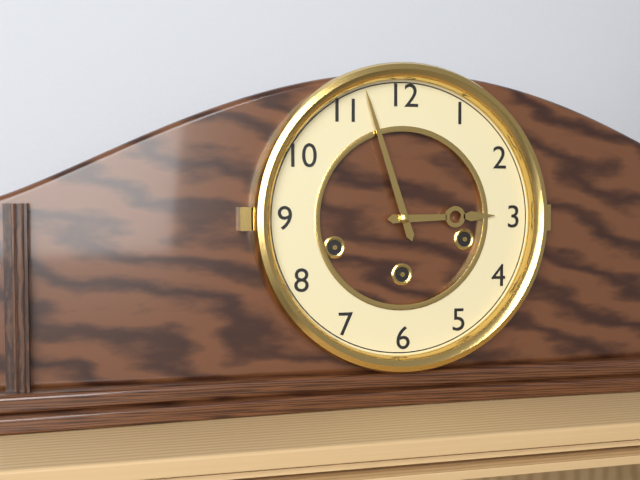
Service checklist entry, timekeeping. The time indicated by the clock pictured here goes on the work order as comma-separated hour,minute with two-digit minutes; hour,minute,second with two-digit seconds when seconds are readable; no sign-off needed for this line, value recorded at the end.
2,57
